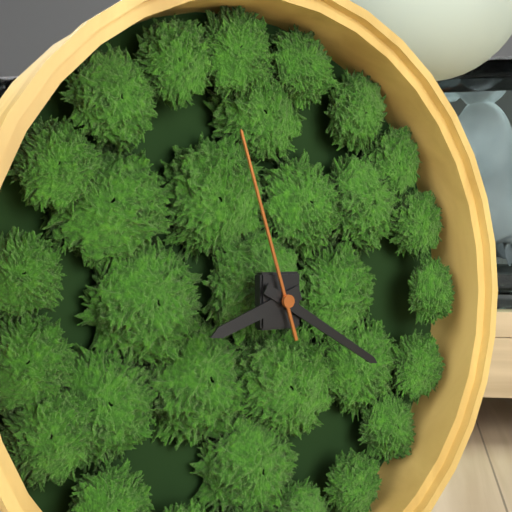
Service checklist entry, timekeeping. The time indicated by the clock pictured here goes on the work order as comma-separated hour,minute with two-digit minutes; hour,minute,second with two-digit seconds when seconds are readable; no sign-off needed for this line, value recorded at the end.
8,20,57
